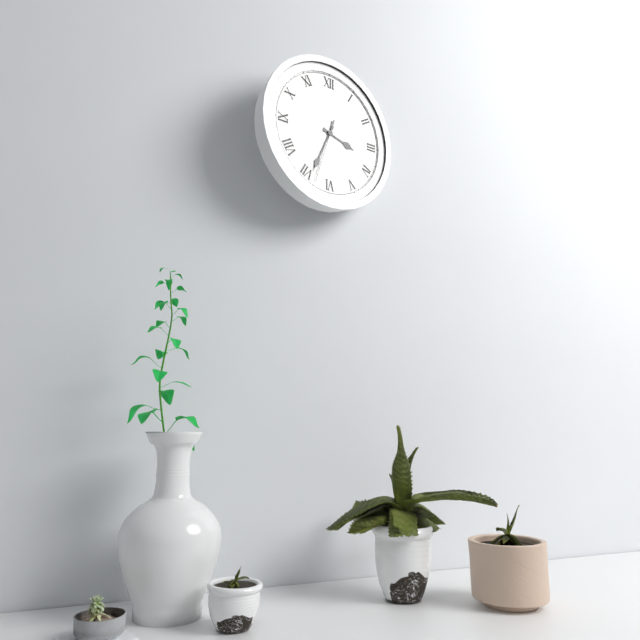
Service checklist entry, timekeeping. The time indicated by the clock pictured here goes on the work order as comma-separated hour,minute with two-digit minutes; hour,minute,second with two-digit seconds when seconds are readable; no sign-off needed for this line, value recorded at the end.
3,34,33
